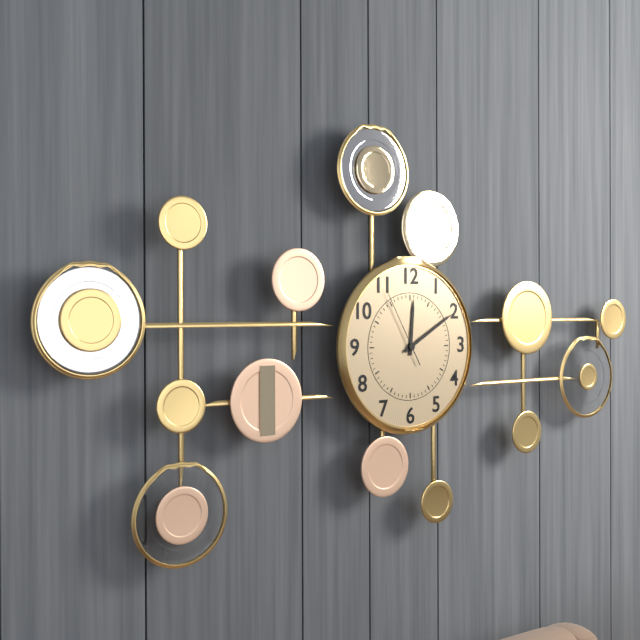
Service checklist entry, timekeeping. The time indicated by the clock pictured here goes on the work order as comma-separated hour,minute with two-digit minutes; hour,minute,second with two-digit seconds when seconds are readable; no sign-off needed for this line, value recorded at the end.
12,10,55
